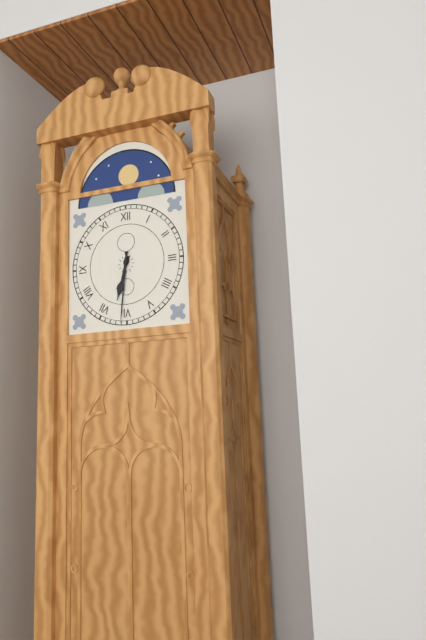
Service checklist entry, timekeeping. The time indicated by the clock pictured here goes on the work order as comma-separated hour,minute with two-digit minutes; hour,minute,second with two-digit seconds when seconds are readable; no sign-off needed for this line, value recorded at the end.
6,31
